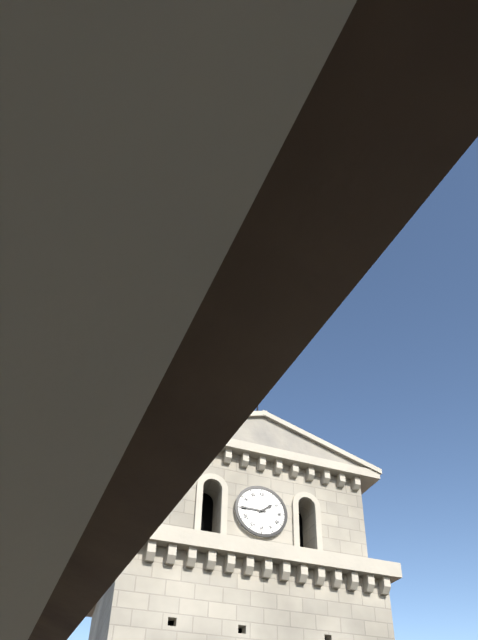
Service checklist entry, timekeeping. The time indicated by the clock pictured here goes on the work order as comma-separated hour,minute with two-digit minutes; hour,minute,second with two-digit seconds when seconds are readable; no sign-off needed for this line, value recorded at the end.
1,45
